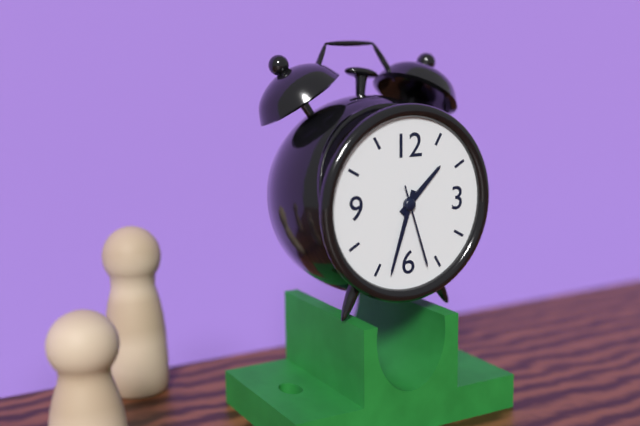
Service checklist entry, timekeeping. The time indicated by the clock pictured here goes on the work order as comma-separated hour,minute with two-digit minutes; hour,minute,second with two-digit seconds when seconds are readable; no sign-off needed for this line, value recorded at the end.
1,33,27
